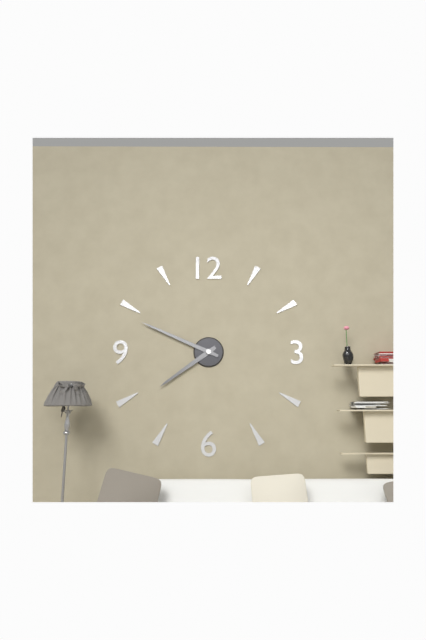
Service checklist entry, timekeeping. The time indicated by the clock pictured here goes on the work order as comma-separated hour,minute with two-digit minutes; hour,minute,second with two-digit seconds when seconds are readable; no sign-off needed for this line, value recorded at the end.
7,49
